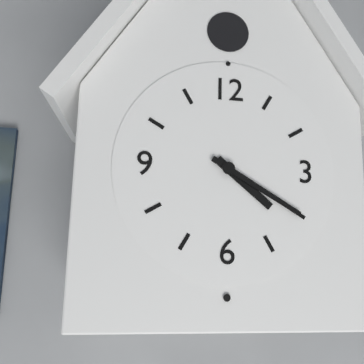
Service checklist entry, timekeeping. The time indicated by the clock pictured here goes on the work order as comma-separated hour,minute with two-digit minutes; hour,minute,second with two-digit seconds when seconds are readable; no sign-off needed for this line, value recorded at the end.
4,20
